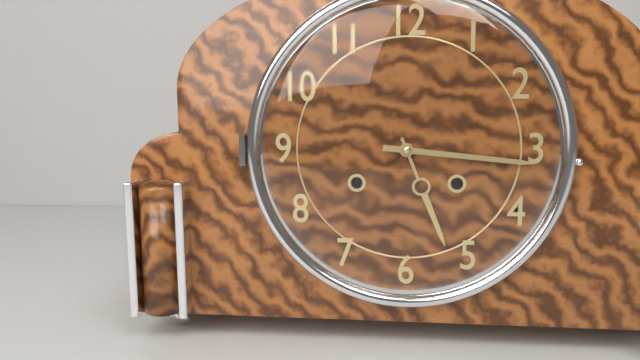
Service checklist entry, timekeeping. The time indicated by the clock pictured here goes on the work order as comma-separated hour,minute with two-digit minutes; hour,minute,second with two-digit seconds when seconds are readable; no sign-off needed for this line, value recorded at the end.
5,16
